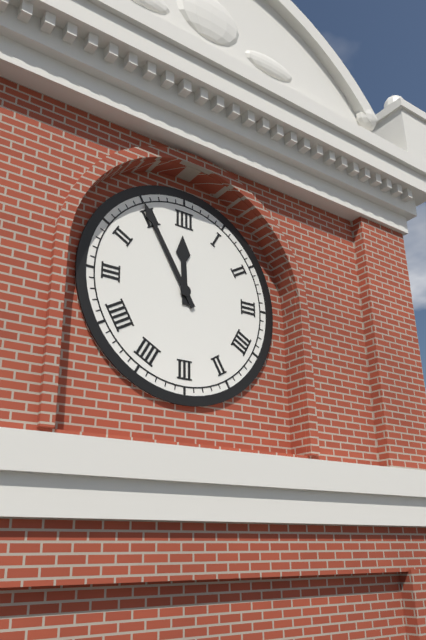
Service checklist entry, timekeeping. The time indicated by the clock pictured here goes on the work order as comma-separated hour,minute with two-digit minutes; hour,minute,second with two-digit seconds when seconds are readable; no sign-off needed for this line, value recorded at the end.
11,55
